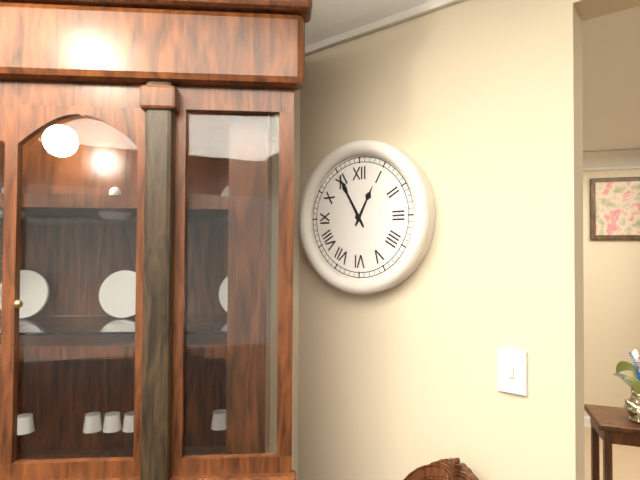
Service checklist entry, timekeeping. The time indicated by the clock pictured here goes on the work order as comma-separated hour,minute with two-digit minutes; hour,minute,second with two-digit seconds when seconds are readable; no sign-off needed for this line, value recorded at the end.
12,55
